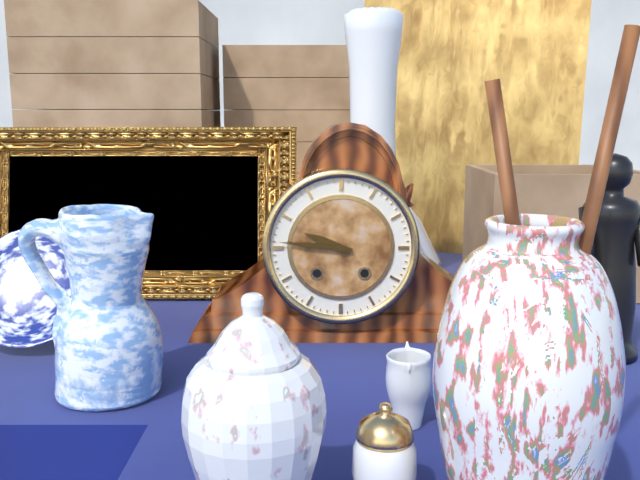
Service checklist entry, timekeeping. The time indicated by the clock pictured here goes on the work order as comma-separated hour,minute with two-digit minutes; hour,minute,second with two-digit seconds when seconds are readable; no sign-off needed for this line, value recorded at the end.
9,46
